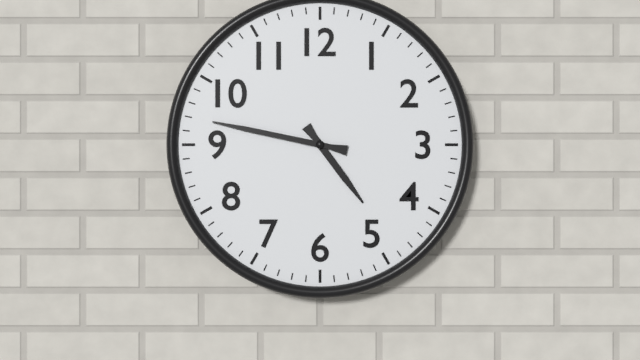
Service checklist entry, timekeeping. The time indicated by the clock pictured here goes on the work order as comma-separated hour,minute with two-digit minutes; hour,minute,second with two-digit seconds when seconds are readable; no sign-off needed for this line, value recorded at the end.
4,47
